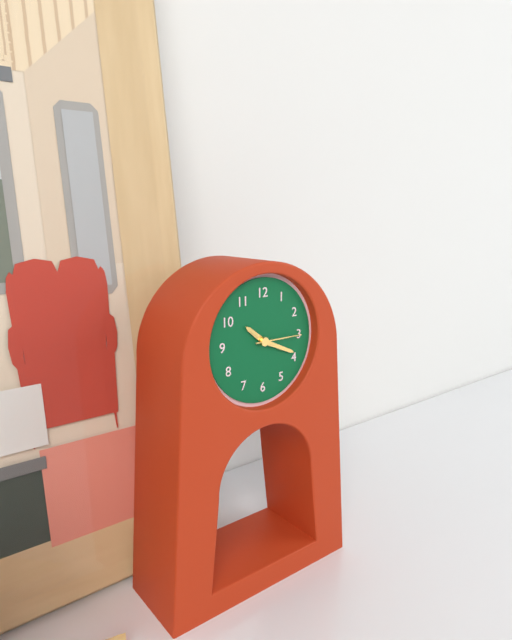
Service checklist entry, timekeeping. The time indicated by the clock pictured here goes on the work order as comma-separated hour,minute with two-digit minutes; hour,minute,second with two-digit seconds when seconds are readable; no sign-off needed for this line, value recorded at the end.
10,19
